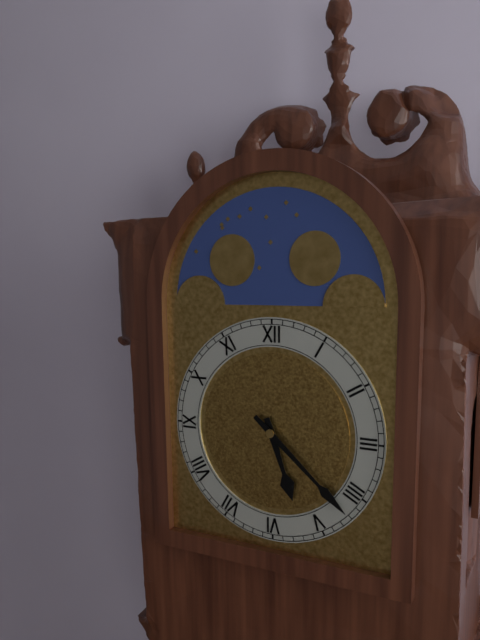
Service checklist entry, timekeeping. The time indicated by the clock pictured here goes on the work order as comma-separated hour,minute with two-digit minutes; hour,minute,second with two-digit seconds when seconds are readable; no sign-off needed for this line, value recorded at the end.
5,22
